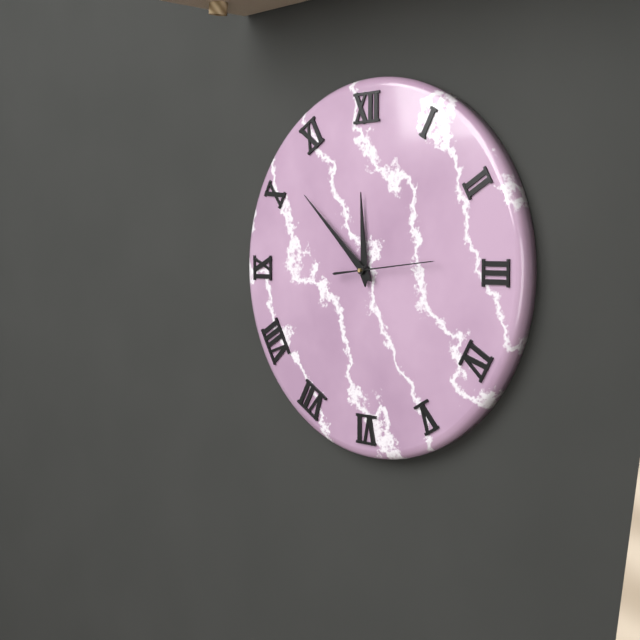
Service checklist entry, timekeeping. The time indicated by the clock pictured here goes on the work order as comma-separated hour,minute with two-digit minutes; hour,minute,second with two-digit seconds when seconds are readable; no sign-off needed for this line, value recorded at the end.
11,52,14
